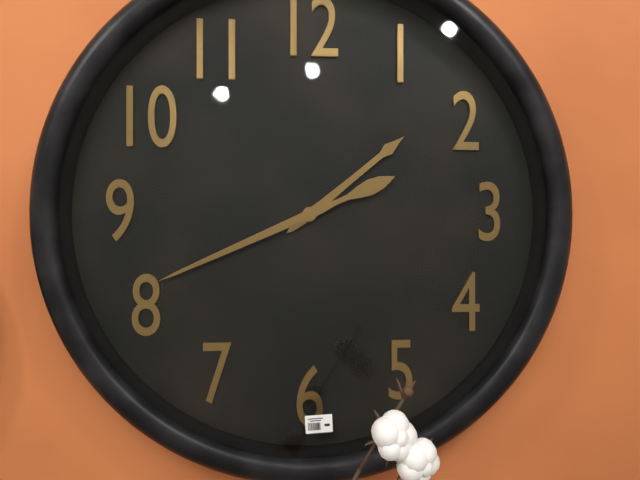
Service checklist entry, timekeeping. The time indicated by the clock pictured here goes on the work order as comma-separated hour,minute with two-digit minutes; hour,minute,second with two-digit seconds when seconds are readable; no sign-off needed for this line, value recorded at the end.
1,41
